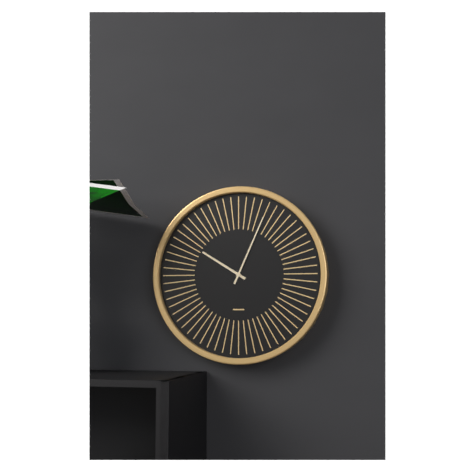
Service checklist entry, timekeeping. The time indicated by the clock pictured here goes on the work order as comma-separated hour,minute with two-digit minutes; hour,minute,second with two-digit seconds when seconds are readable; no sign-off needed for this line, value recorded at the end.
10,04
